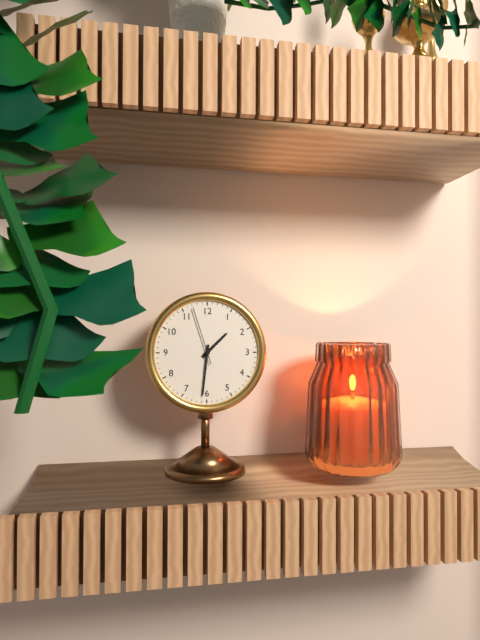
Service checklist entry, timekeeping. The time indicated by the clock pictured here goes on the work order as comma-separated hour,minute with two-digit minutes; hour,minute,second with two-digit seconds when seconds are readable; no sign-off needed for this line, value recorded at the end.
1,31,57
